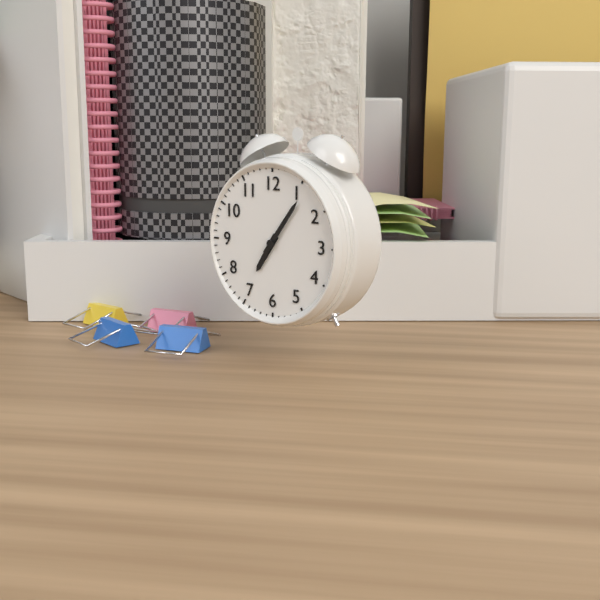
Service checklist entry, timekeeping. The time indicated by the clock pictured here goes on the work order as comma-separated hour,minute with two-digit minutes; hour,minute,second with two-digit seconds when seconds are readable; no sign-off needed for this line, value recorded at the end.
7,06
